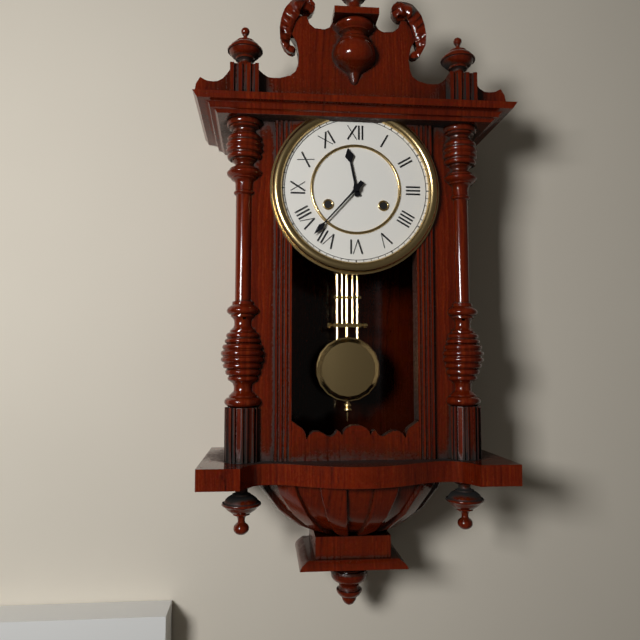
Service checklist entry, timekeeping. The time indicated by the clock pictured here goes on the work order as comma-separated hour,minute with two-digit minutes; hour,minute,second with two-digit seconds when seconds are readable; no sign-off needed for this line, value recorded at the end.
11,37
